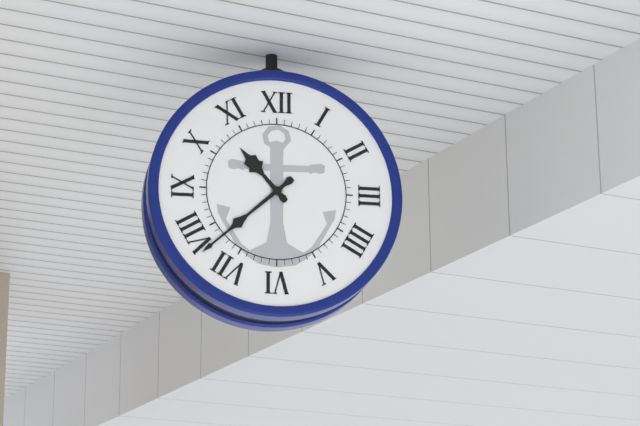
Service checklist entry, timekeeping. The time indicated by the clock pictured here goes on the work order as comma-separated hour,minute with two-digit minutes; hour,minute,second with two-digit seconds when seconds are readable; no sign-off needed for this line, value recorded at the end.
10,38
